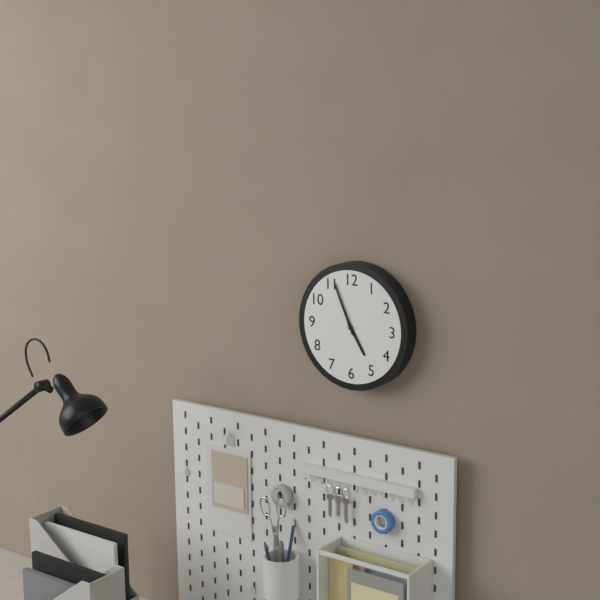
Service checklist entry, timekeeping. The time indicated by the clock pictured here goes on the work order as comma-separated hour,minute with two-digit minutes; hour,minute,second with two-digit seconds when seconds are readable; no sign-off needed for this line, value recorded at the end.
4,56
